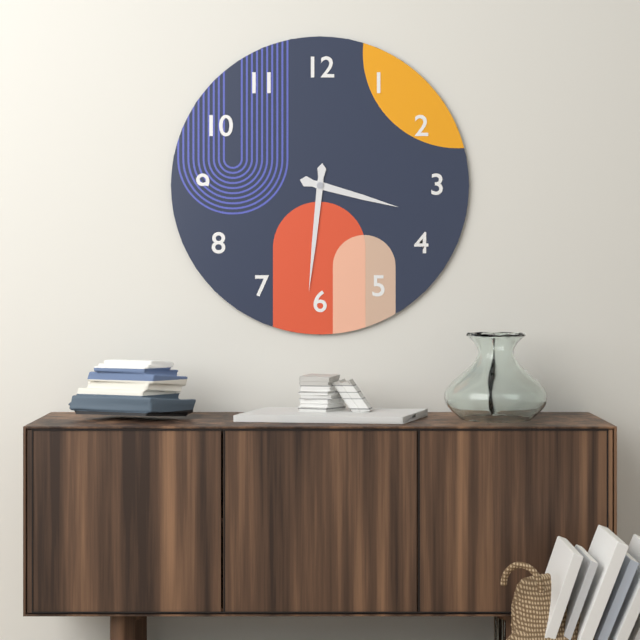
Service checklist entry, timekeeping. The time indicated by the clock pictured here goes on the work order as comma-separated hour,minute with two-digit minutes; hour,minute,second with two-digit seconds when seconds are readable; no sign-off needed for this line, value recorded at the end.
3,31
